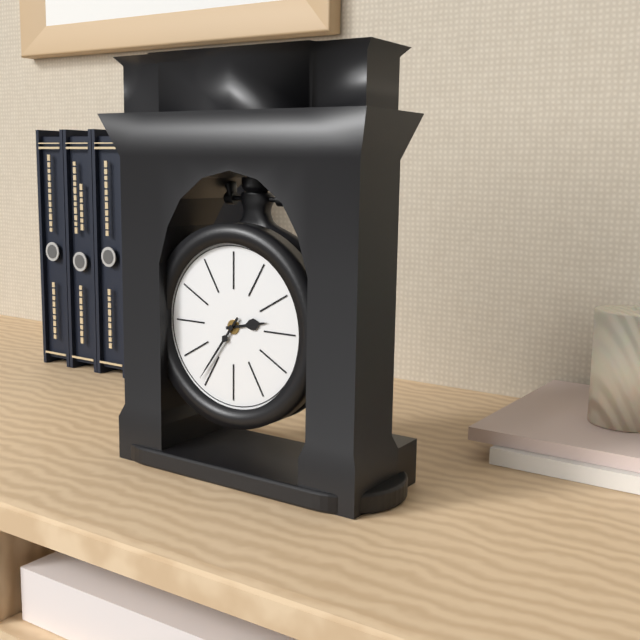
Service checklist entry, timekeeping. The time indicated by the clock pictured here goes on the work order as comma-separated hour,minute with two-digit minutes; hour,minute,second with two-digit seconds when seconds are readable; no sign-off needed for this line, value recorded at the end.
2,36
